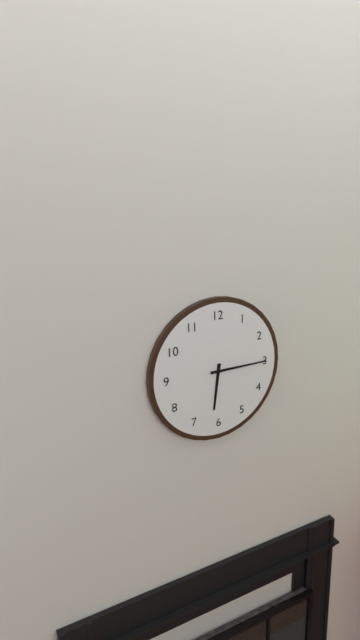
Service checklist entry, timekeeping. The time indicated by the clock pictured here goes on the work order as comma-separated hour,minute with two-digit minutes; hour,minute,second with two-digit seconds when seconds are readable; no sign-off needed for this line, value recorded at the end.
6,15
